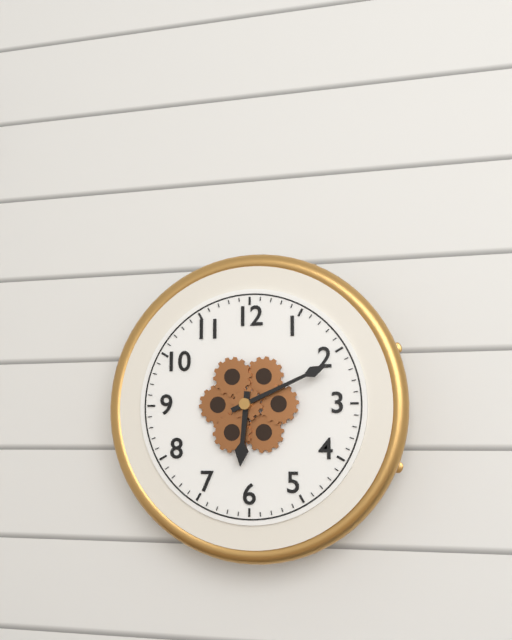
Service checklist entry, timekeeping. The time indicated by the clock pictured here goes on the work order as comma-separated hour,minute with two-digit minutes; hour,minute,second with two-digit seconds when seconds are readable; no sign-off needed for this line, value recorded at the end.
6,11
